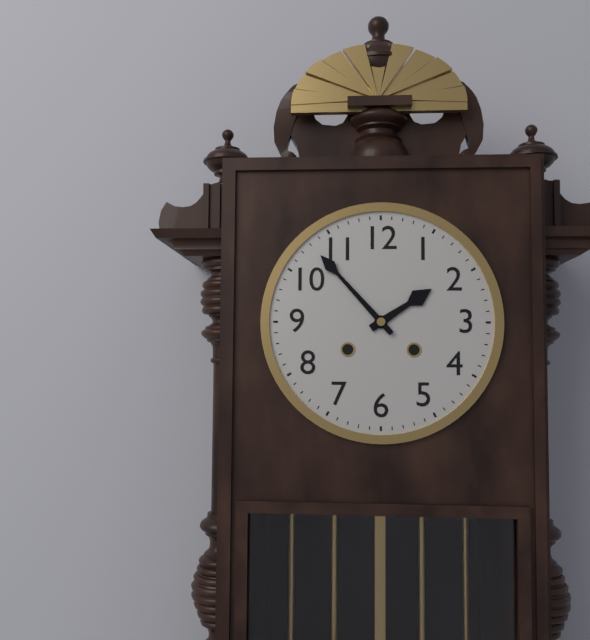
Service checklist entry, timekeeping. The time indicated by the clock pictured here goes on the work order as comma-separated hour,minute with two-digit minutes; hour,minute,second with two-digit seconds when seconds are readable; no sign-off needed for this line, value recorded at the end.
1,53
